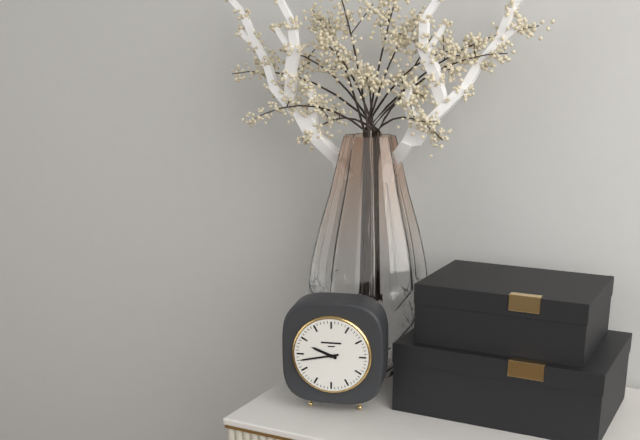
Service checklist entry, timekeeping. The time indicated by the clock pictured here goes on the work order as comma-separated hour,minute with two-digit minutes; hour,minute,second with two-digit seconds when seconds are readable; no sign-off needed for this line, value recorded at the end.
9,43
